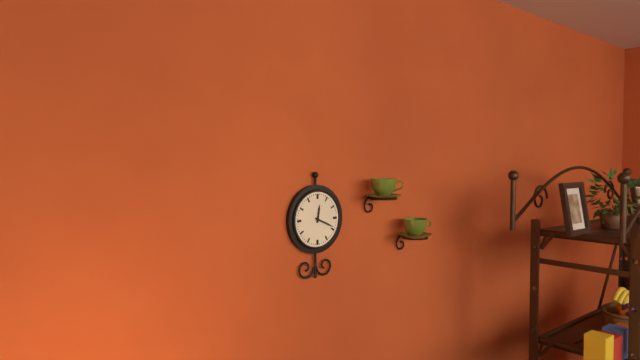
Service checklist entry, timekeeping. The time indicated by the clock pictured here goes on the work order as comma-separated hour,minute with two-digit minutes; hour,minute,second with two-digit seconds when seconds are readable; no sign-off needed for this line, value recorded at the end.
12,19
